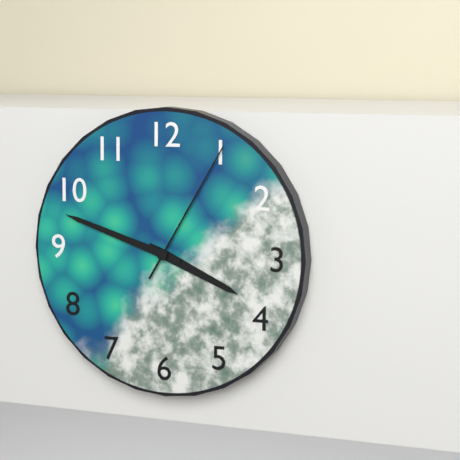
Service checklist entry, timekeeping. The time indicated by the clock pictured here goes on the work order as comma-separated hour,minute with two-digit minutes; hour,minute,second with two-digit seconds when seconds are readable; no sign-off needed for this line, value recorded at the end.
3,48,05
